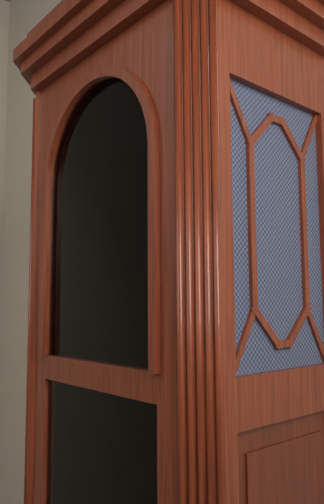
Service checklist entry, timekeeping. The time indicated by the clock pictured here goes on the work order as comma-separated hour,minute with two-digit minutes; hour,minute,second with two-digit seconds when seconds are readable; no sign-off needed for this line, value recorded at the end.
2,08
